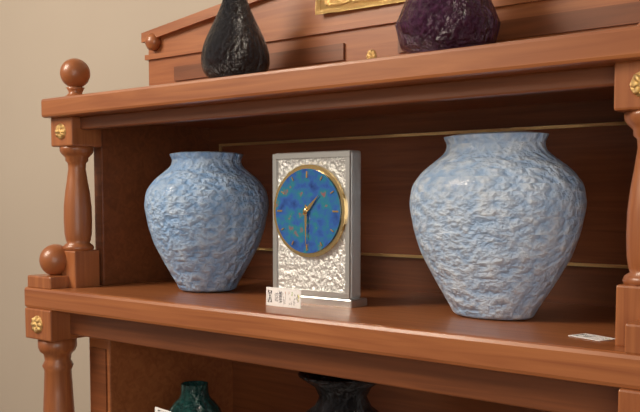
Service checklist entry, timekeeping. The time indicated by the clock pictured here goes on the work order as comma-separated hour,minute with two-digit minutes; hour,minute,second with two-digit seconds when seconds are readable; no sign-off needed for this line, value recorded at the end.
1,30
